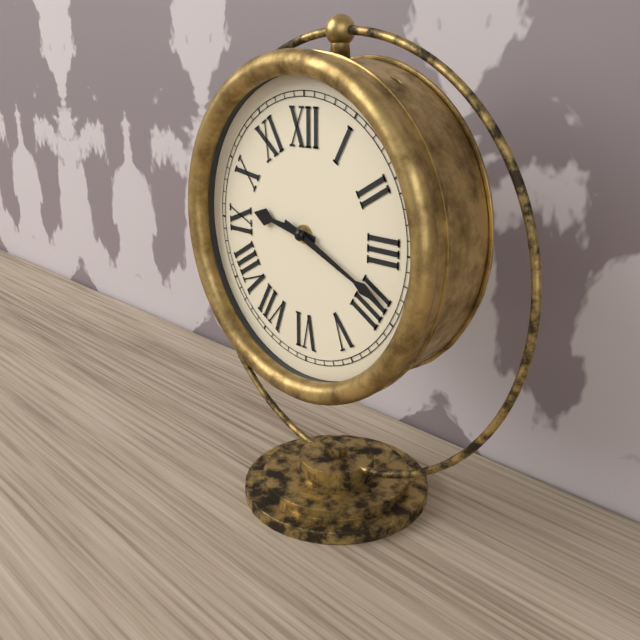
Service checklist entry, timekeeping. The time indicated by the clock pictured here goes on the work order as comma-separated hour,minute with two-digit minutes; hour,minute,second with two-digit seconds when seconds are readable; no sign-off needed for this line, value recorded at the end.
9,19
